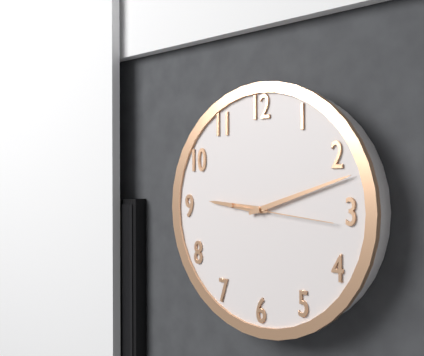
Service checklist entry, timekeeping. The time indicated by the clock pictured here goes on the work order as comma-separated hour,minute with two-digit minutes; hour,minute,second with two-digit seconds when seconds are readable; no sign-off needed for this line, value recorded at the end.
9,12,16
